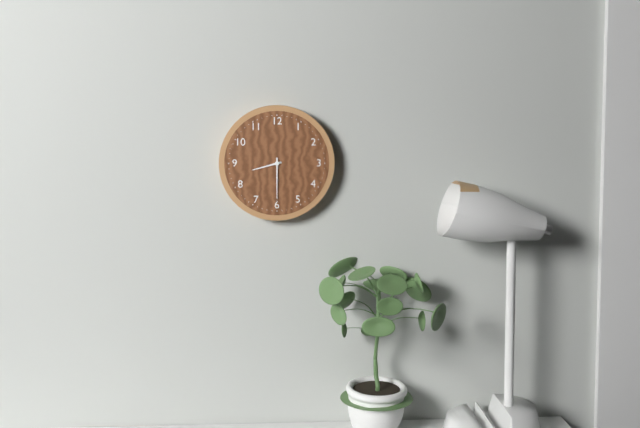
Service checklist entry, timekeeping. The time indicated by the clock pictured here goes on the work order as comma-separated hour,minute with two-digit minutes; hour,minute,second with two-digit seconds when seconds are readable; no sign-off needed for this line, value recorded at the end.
8,30
